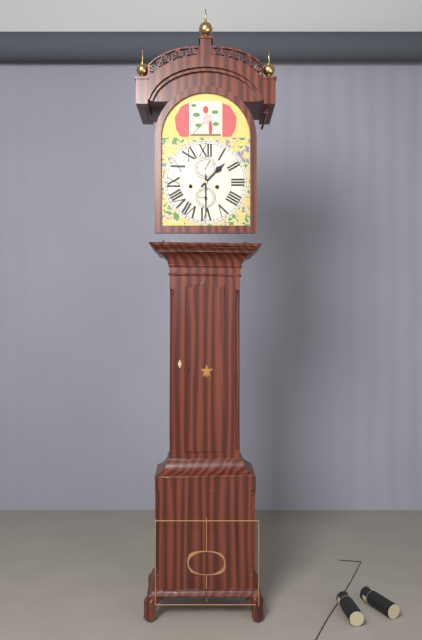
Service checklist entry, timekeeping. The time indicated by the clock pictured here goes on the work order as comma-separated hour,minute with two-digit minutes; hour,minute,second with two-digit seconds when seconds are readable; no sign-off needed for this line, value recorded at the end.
1,30
